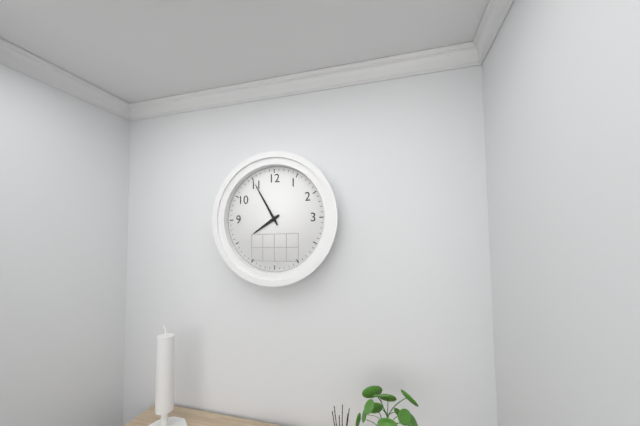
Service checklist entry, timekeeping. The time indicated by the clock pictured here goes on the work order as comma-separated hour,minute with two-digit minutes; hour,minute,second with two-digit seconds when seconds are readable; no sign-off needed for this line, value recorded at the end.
7,55
